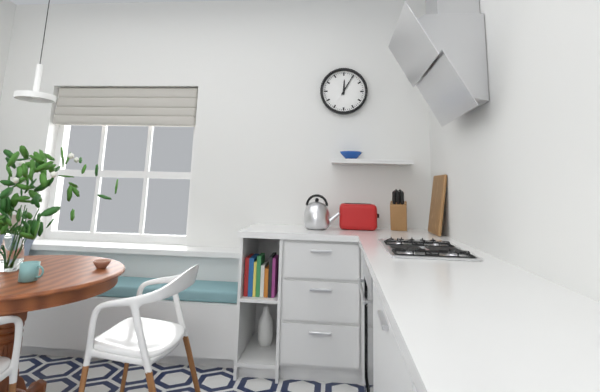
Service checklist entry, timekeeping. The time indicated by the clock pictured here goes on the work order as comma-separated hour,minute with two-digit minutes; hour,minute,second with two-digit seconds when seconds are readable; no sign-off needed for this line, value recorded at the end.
12,05
